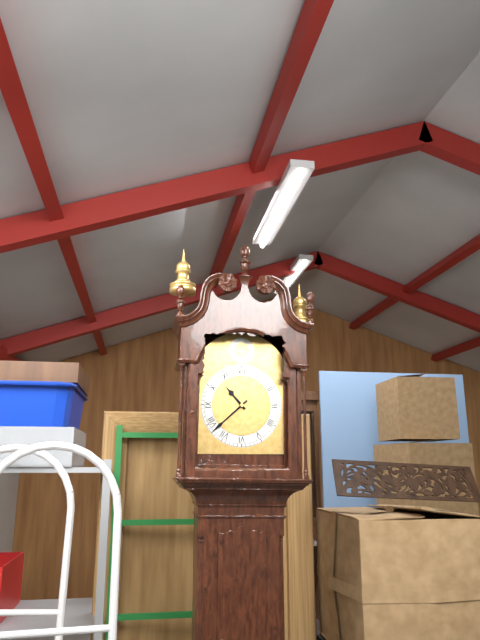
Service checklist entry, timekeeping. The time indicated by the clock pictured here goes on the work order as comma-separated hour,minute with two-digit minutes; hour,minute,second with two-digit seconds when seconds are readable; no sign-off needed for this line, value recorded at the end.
10,38
